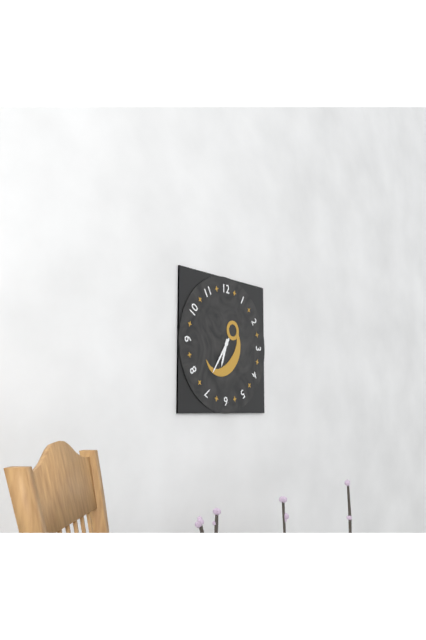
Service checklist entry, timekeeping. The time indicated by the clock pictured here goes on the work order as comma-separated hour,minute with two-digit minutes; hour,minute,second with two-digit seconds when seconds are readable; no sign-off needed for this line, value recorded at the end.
6,36
